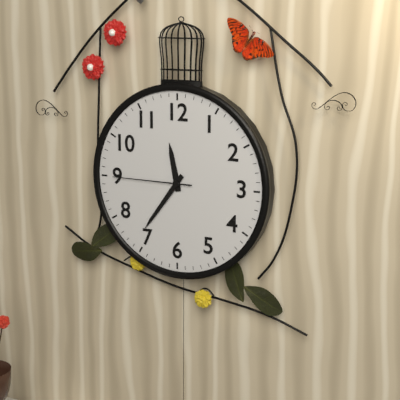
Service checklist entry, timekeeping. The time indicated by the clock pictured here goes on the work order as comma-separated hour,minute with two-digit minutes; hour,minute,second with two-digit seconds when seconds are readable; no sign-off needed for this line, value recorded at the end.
11,36,45
